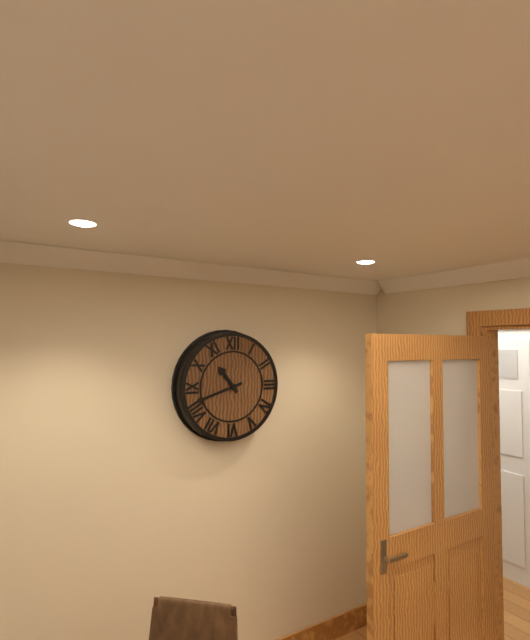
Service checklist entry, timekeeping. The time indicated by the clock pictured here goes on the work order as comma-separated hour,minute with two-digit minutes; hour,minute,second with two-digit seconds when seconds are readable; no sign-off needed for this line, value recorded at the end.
10,42
